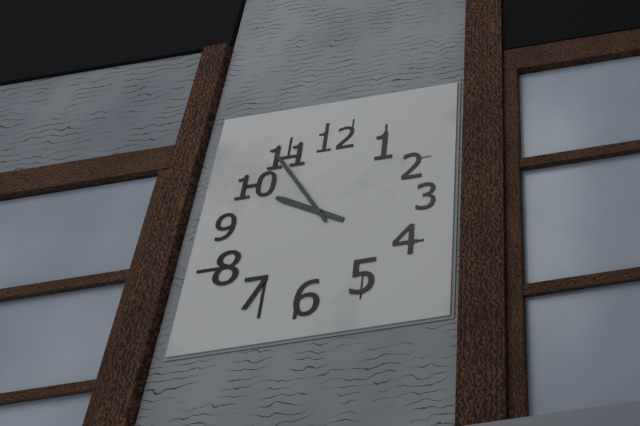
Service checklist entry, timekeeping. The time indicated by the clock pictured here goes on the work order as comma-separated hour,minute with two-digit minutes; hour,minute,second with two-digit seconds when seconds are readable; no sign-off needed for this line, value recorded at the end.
9,54
